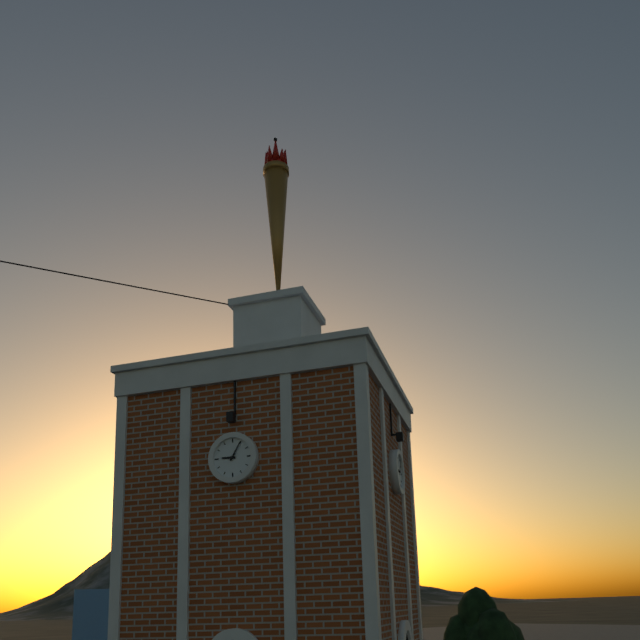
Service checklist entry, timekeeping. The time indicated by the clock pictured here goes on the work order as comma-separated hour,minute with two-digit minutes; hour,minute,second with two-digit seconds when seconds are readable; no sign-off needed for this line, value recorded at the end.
9,05
